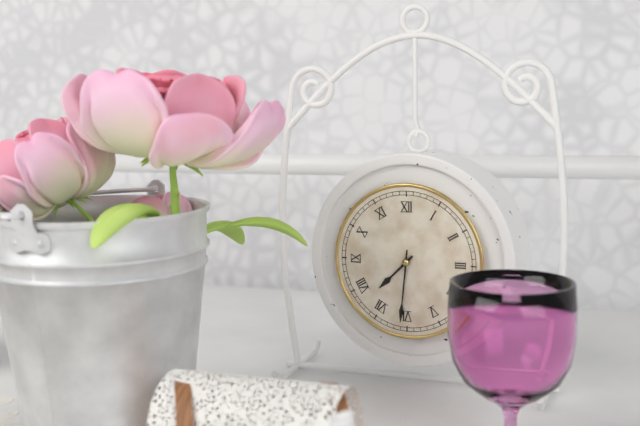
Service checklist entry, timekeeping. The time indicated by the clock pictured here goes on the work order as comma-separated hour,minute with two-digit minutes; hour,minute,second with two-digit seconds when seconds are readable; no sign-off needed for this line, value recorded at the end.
7,31
